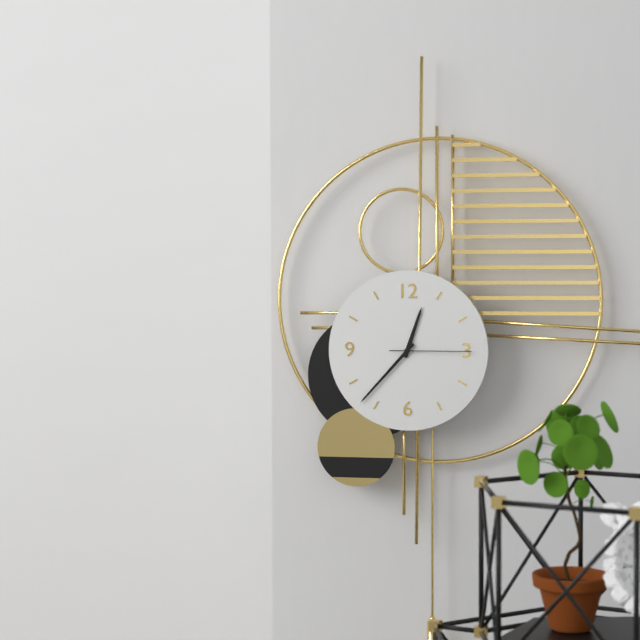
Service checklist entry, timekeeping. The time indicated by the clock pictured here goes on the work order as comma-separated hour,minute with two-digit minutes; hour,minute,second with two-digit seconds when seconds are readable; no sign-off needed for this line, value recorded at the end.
12,37,15
